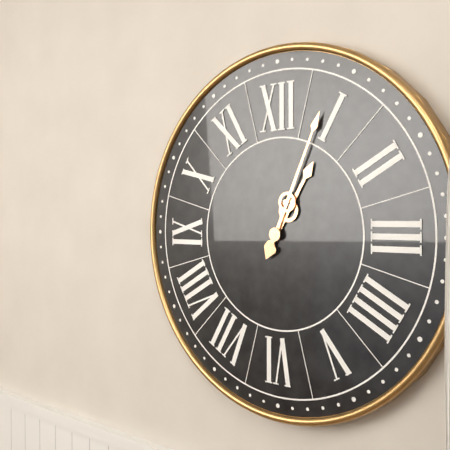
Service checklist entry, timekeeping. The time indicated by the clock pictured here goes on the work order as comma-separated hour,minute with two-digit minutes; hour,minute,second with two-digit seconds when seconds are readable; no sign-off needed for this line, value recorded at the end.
1,04
